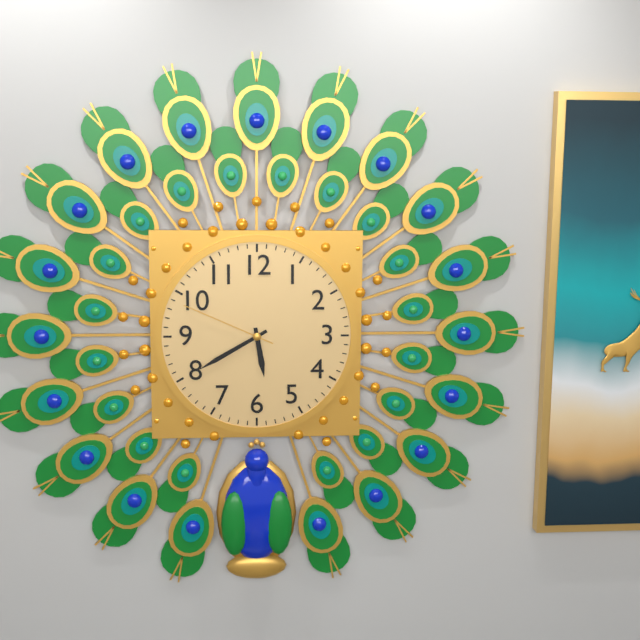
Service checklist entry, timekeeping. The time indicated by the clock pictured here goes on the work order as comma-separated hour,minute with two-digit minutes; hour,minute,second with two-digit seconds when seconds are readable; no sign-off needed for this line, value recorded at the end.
5,40,49
